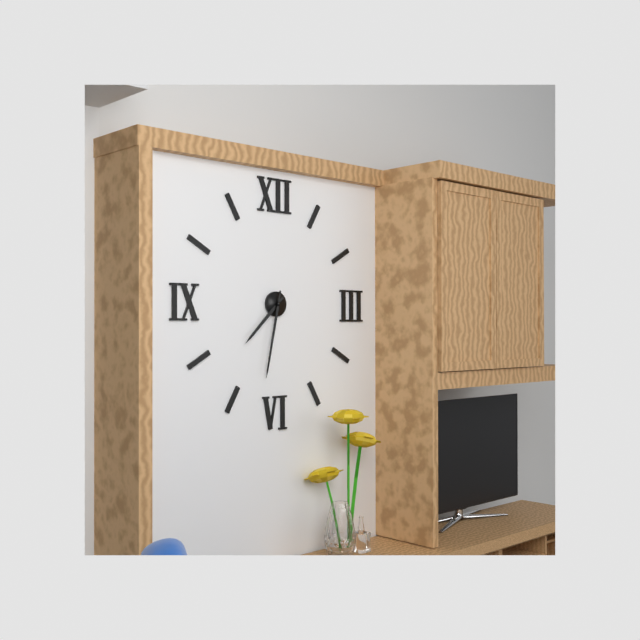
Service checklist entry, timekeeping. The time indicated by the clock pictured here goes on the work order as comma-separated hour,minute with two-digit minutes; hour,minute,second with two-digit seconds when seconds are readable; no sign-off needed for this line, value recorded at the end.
7,32
